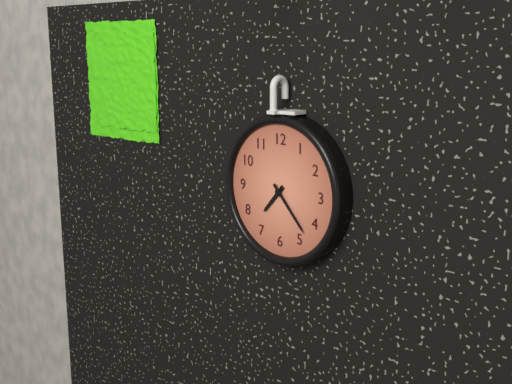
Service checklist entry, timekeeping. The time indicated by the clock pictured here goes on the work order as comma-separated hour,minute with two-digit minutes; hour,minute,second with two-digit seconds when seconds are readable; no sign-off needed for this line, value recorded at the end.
7,23
